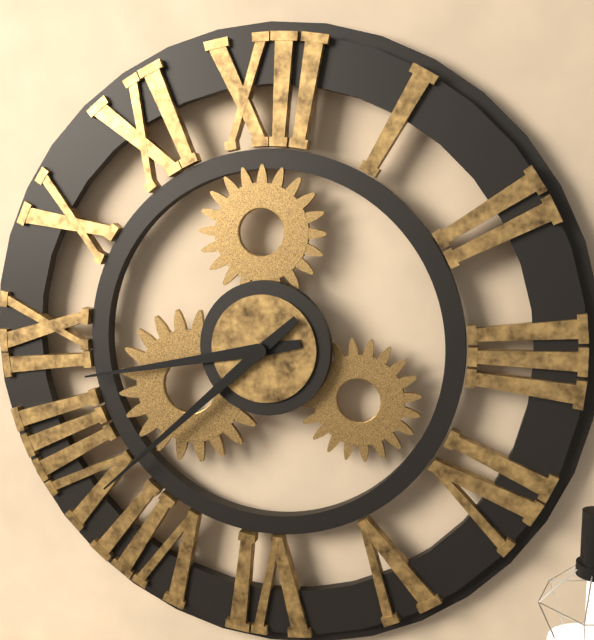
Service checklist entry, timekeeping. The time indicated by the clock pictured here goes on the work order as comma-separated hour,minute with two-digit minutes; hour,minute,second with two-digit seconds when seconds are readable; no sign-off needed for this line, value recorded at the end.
8,38
